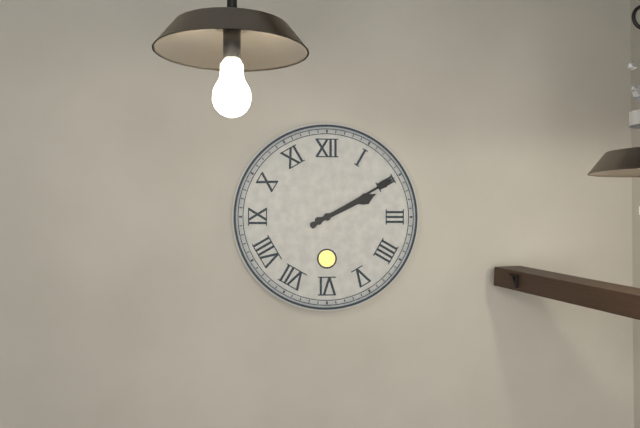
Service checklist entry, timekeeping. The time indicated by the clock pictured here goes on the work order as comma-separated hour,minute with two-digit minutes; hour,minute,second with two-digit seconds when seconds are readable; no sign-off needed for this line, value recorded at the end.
2,10
